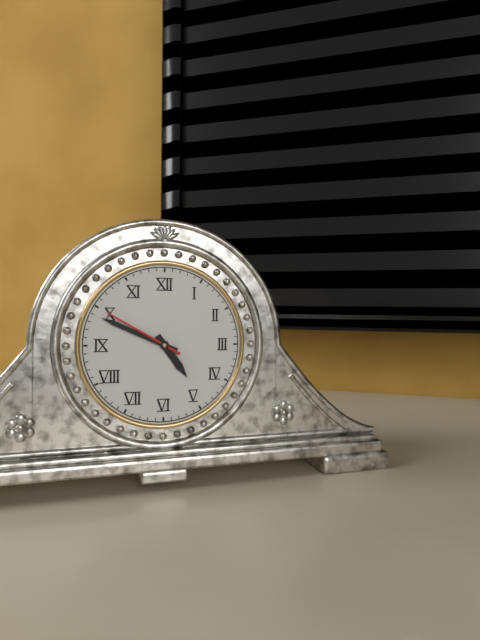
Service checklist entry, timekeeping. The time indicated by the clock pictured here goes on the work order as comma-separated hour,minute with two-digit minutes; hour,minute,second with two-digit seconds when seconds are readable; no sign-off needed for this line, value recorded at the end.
4,49,50
